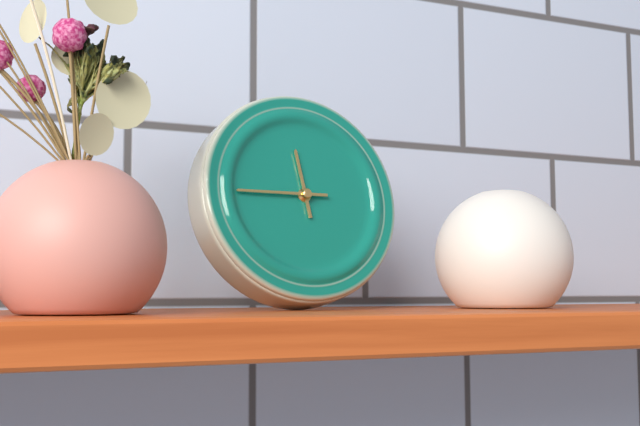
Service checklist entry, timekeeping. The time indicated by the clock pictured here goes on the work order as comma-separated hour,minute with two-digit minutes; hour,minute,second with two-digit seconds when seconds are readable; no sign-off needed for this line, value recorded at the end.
11,45
